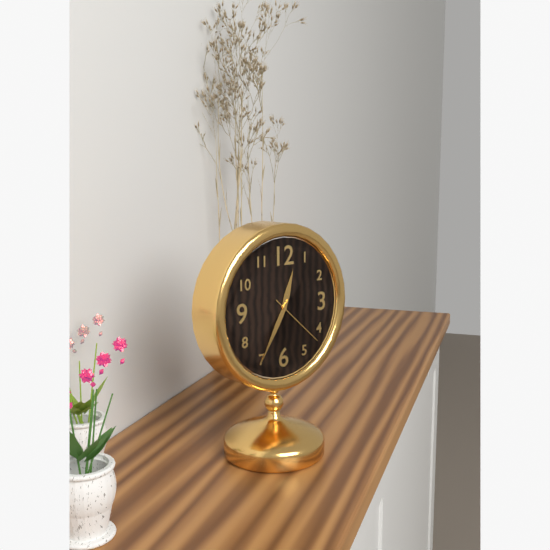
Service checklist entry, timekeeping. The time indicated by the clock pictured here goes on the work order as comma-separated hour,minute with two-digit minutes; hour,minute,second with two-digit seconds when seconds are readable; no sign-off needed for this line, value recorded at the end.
12,35,22
